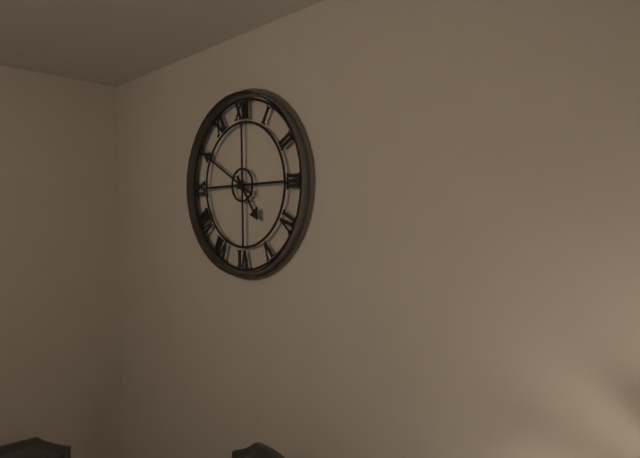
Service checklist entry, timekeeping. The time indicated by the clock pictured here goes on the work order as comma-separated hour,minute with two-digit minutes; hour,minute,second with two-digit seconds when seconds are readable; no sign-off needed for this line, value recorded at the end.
4,50
